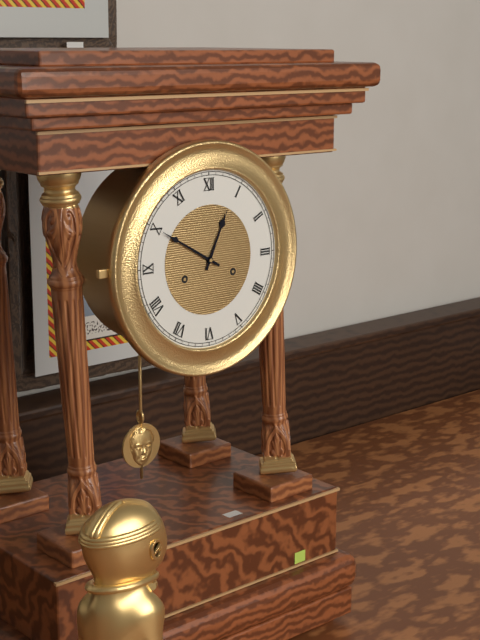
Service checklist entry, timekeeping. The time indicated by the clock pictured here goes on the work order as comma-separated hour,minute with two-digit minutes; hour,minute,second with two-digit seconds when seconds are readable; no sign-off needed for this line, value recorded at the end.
12,50
